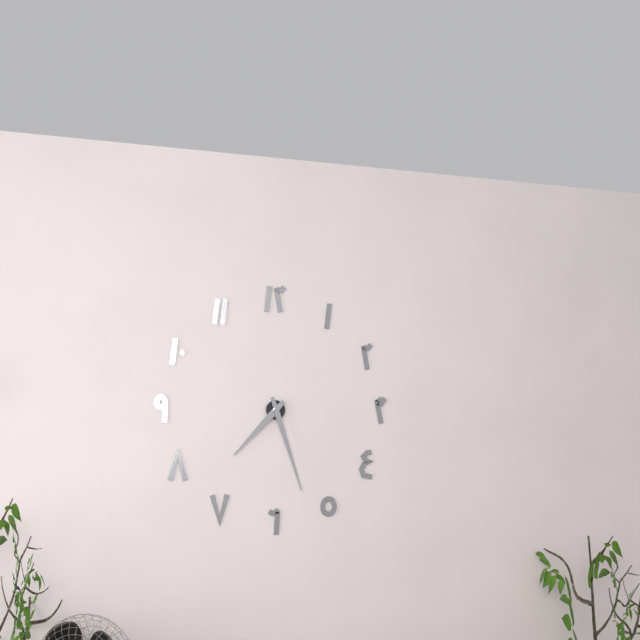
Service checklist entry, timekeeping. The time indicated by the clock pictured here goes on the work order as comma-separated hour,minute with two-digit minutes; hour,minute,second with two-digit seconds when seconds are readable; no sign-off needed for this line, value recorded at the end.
7,27
